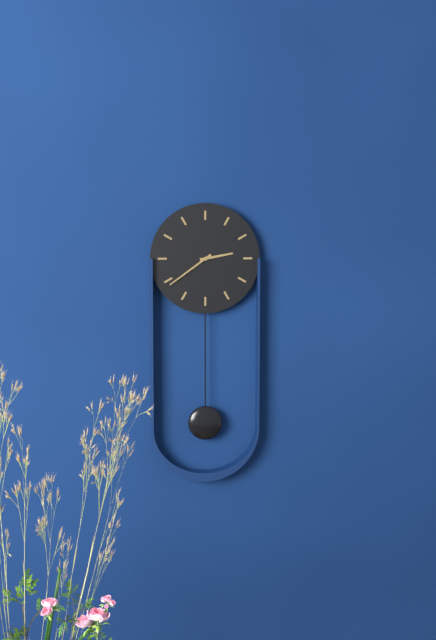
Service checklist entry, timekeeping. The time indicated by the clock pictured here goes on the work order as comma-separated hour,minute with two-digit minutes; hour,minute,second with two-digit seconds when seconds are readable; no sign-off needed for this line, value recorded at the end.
2,39
